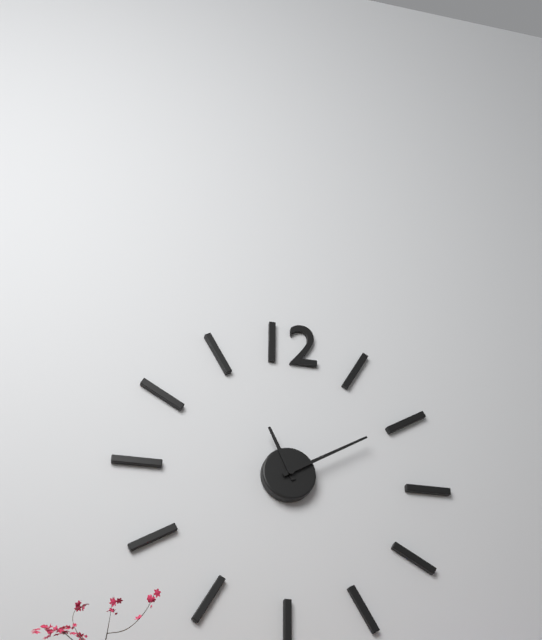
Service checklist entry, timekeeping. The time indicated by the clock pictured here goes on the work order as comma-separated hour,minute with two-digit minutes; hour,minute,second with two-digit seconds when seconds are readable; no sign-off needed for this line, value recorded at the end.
11,10
